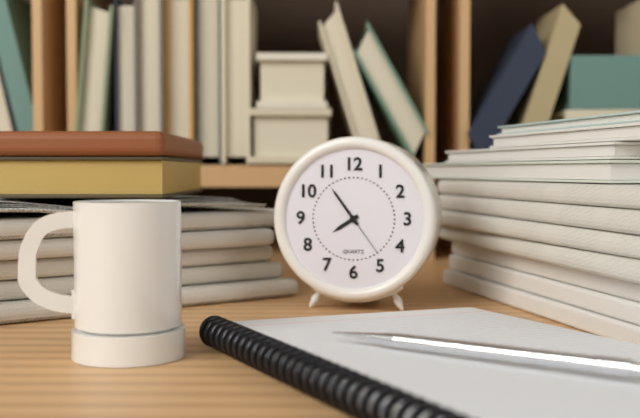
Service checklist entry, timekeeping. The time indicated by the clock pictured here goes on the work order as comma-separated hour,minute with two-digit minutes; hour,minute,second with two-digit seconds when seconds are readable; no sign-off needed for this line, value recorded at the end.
7,54,24
